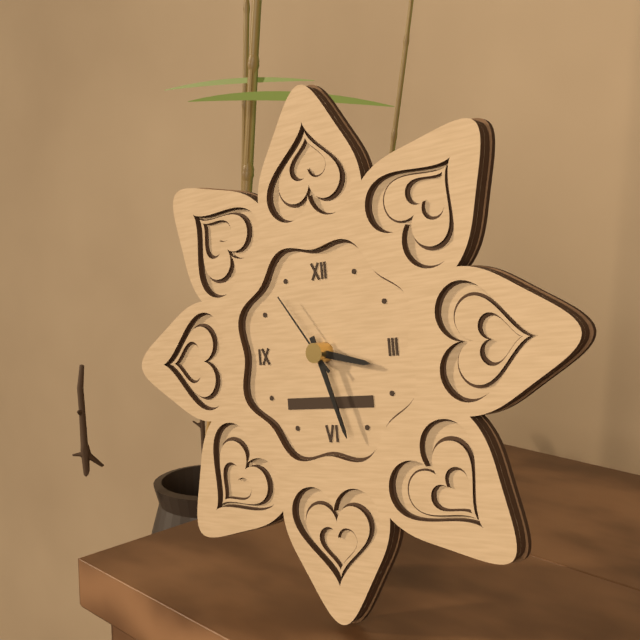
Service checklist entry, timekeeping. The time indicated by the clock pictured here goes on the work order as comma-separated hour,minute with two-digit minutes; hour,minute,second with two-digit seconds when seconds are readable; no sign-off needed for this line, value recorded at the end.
3,27,54
